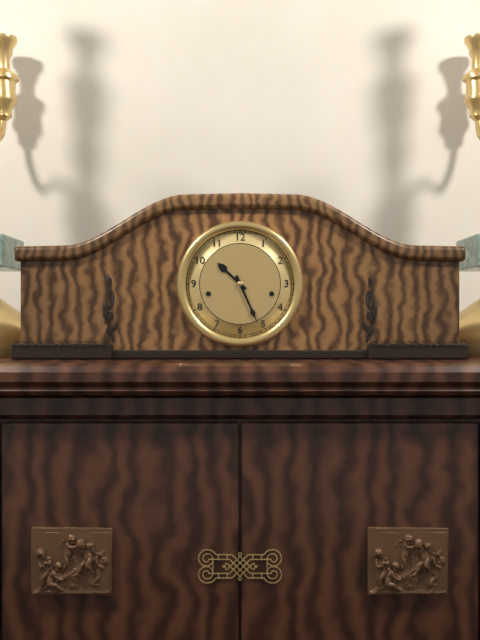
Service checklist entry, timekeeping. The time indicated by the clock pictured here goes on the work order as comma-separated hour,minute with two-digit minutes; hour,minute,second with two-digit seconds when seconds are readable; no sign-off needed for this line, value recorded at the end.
10,26
